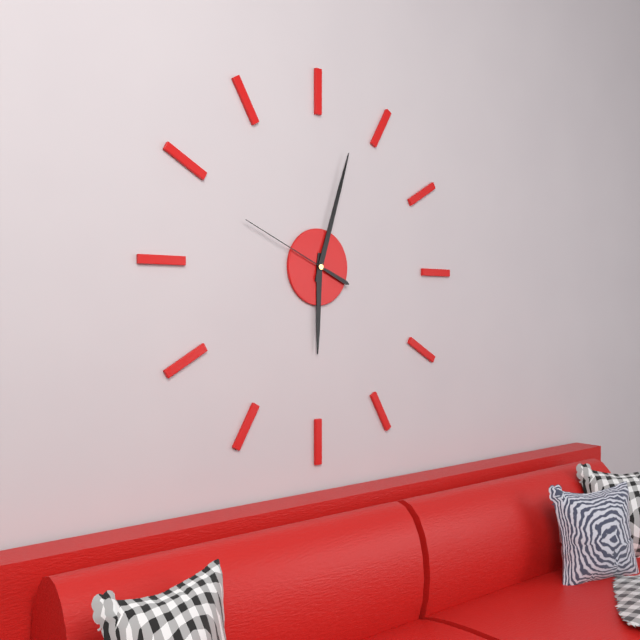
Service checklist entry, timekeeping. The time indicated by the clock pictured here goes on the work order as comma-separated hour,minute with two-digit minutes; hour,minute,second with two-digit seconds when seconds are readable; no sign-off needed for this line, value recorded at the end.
6,03,49
